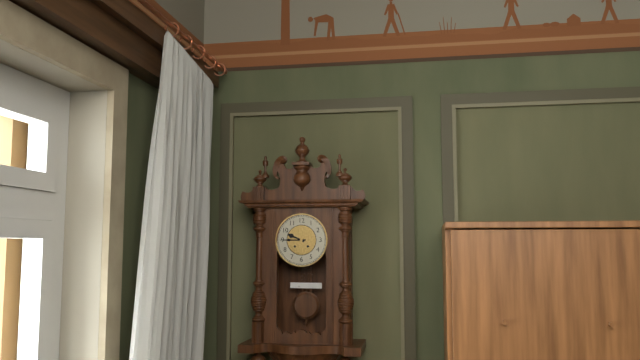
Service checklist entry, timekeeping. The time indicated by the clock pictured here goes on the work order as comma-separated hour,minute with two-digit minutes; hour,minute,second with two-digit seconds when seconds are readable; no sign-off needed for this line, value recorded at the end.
9,45
